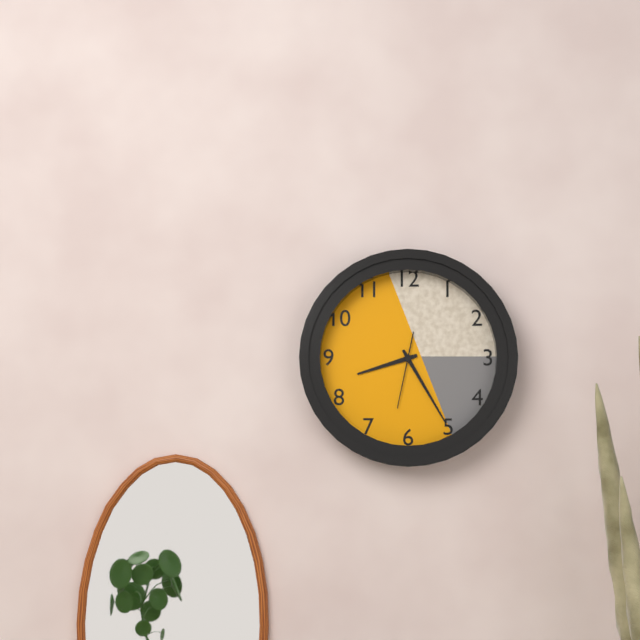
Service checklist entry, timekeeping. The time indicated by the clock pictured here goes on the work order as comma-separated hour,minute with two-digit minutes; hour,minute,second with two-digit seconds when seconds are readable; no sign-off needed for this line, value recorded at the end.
8,25,32
